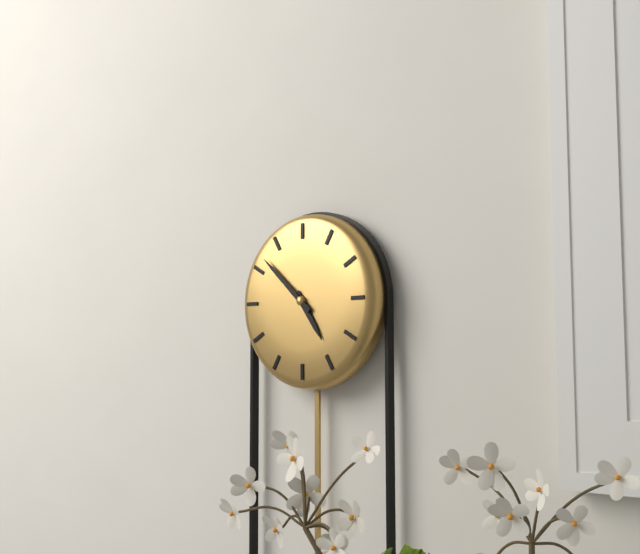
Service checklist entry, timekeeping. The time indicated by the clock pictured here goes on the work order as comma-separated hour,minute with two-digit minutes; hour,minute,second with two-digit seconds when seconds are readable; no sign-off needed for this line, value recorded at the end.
4,52
